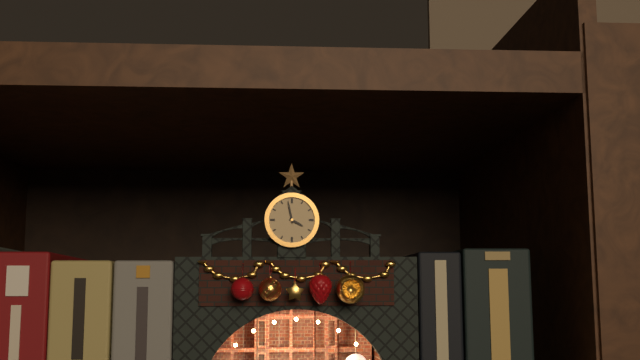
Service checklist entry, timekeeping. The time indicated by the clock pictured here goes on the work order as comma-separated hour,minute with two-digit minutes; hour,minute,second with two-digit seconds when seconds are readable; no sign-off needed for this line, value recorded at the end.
3,58
